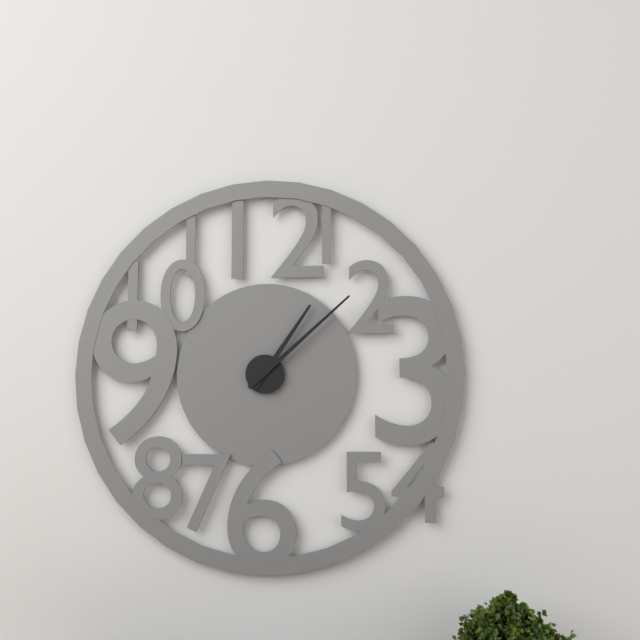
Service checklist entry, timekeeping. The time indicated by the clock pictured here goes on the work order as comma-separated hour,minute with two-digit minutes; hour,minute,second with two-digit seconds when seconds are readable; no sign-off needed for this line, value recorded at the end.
1,08
